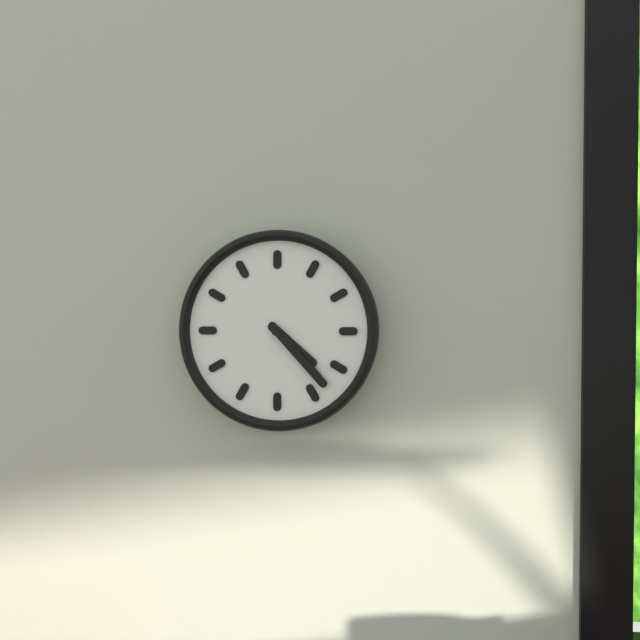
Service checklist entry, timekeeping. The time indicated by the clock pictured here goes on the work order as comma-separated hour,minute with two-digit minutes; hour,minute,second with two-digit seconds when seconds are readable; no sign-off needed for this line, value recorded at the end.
4,23
